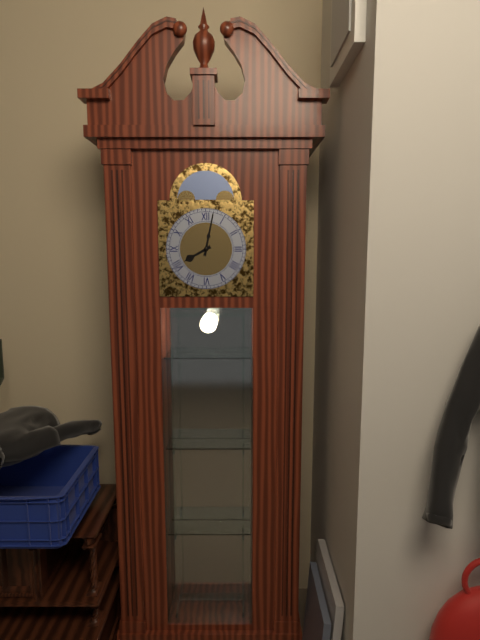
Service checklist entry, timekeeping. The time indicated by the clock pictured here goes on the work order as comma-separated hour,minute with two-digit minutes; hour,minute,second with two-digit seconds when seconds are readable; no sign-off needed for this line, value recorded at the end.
8,02
